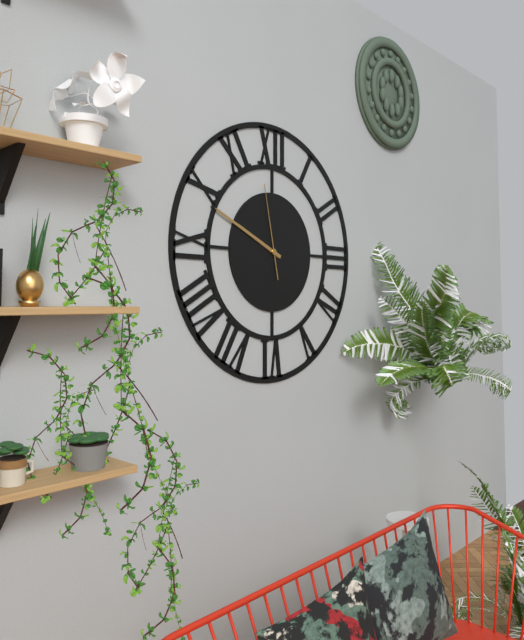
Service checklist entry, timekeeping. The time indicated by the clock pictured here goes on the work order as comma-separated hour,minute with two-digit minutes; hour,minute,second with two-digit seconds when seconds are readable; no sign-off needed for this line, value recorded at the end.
9,49,58
